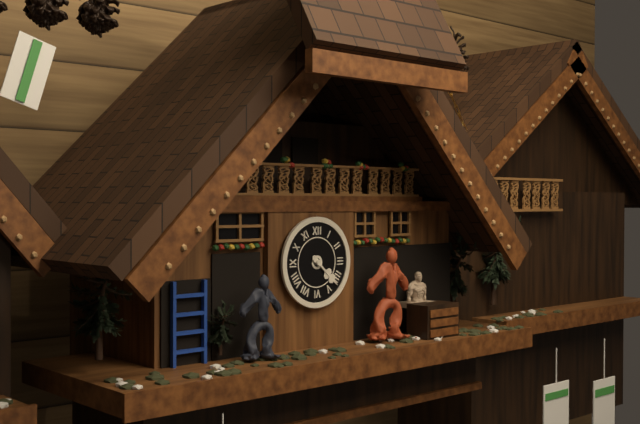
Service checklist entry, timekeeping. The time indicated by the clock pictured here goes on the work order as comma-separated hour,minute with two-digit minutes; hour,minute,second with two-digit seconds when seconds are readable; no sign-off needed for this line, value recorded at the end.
4,22
